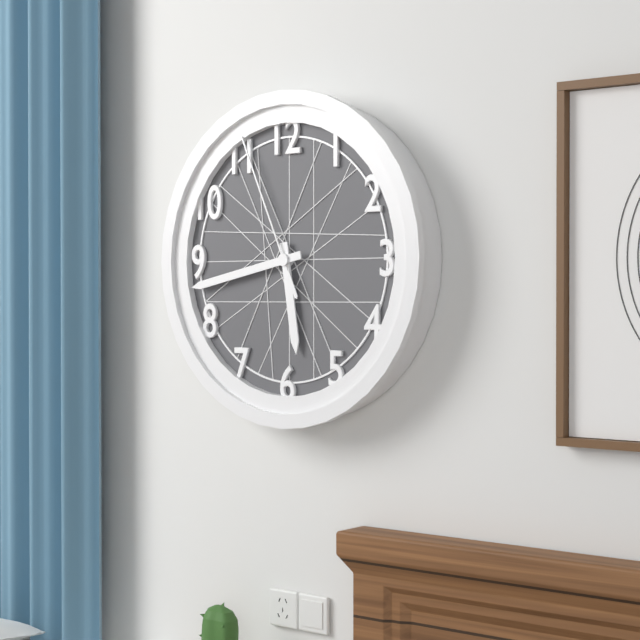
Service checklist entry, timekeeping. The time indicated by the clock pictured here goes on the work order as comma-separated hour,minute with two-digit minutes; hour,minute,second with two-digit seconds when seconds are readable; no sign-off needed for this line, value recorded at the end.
5,43,56
